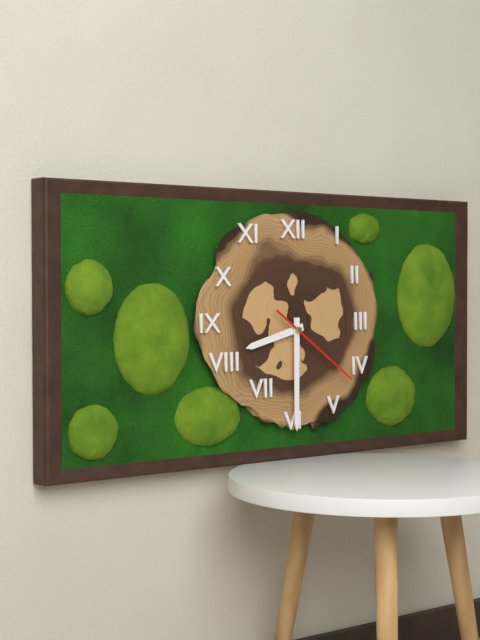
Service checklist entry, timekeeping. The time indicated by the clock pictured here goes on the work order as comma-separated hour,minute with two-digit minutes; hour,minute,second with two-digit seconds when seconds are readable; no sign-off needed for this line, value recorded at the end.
8,30,21
